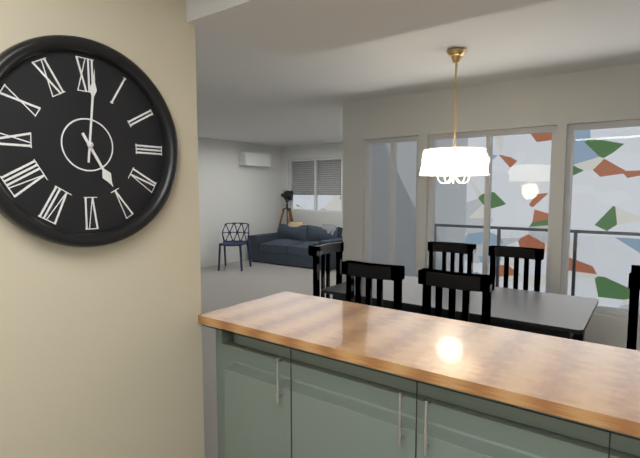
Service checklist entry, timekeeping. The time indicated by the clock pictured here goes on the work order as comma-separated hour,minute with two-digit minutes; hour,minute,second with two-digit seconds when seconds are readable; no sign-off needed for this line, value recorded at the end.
5,01
